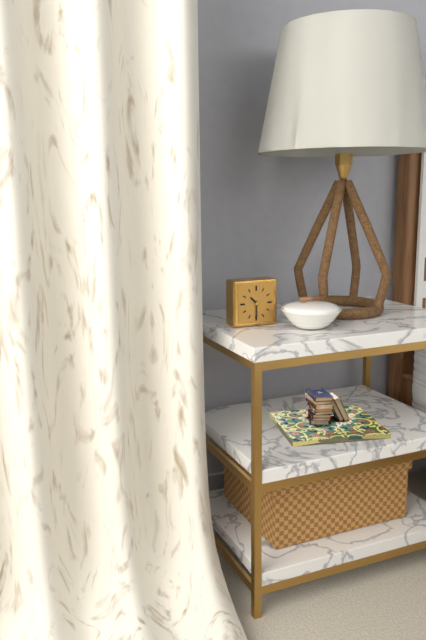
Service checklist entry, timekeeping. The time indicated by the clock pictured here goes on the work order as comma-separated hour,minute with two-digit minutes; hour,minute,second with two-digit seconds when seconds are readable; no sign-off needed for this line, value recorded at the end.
10,30
